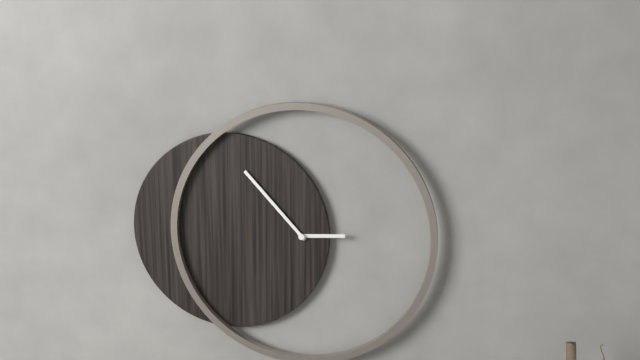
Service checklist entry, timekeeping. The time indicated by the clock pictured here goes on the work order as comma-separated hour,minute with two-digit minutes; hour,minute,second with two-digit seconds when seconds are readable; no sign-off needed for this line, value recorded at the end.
2,53
